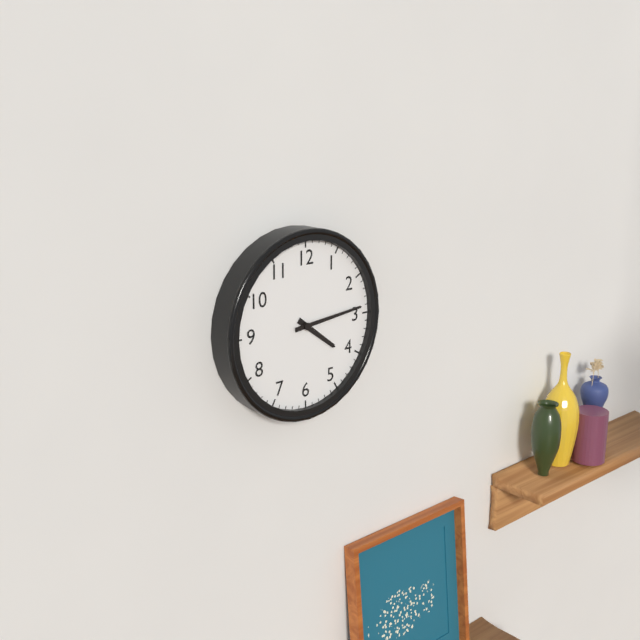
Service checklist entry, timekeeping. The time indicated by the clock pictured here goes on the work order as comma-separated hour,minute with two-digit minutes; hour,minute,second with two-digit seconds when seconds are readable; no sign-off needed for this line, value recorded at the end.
4,14
